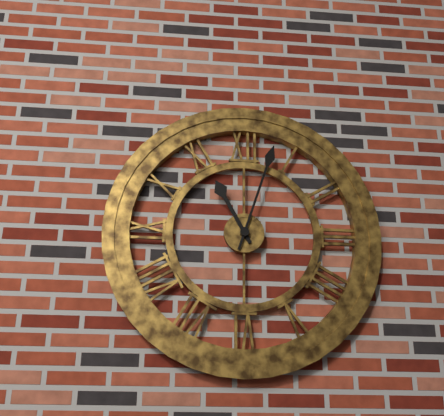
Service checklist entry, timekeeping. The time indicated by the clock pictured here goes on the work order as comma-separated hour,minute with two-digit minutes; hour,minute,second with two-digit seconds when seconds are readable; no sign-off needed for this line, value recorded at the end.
11,03
